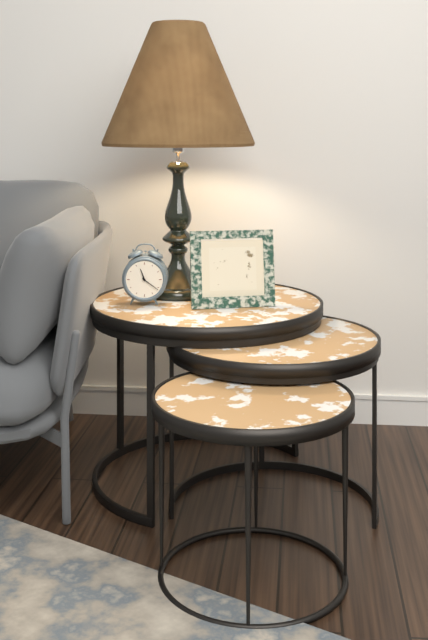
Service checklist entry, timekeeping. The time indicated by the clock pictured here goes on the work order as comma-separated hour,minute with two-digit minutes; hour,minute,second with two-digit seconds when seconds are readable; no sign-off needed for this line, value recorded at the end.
11,21
